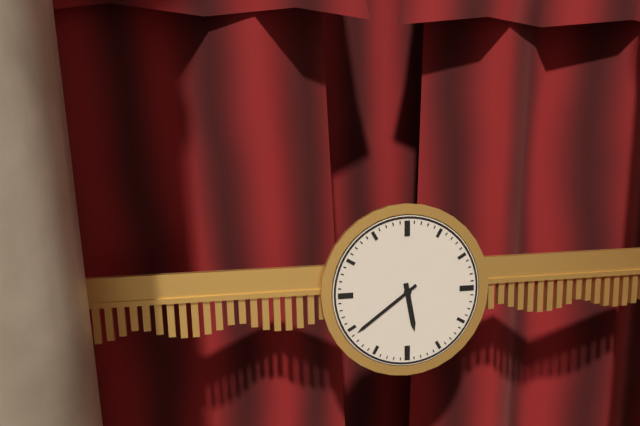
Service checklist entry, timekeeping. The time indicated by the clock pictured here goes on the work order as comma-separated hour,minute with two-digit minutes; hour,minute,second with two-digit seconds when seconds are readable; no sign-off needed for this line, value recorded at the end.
5,39
